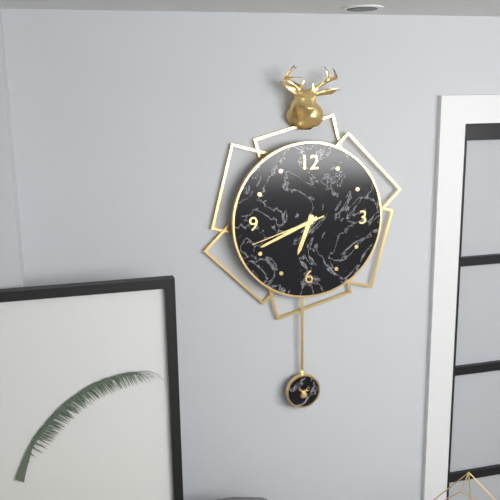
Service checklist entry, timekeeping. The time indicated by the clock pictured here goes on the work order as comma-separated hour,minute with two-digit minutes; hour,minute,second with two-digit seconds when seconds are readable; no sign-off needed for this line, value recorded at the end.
6,41,42
